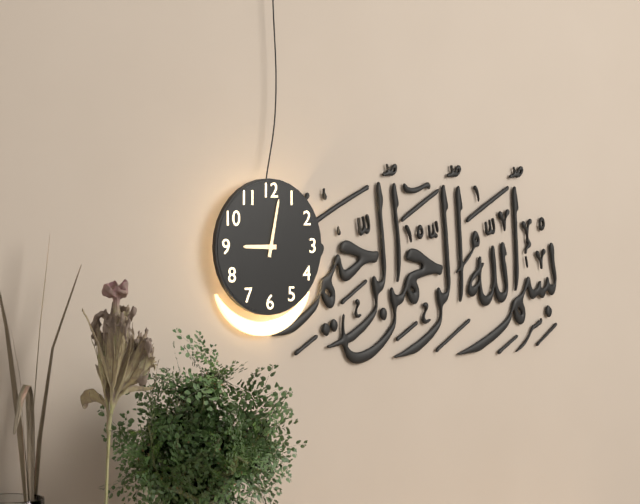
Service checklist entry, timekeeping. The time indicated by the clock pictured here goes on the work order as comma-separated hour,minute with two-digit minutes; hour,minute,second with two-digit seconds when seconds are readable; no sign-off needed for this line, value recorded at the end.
9,02
